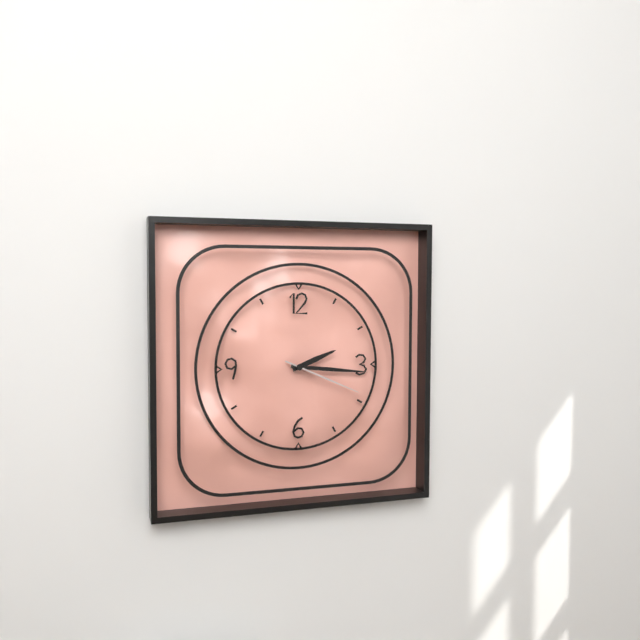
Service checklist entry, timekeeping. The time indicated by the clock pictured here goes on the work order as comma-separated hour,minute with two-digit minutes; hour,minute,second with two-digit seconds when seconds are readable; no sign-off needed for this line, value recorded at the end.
2,16,19
